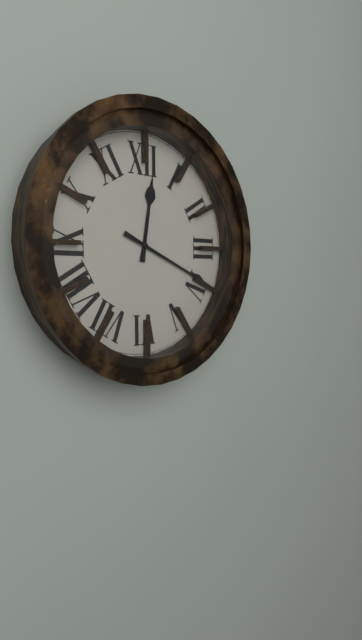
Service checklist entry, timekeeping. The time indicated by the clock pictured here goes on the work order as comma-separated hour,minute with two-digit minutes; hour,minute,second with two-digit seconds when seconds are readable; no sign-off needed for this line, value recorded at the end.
12,19
